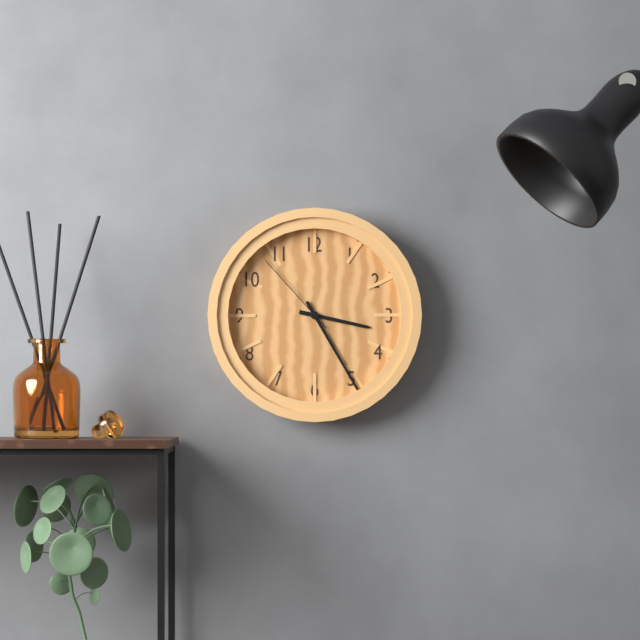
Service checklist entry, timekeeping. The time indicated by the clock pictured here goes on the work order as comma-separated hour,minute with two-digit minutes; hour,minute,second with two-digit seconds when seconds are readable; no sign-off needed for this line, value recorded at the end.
3,25,53
